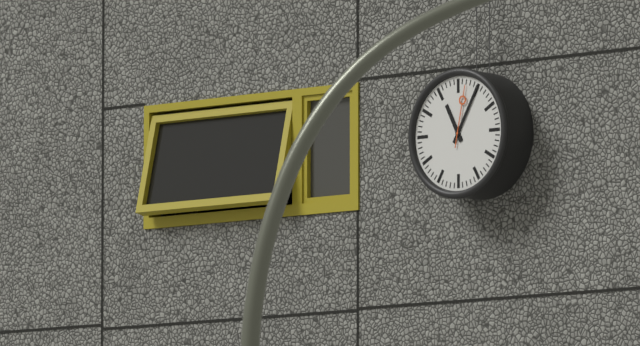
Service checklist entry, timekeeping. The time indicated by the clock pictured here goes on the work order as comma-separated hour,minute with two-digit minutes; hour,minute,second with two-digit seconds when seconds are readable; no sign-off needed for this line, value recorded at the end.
11,05,02
